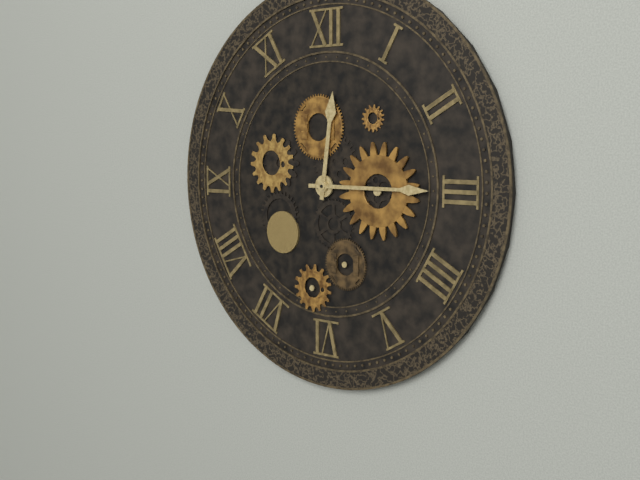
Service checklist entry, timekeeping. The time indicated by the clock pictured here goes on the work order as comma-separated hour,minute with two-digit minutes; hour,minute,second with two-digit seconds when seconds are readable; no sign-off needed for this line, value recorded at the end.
12,15
